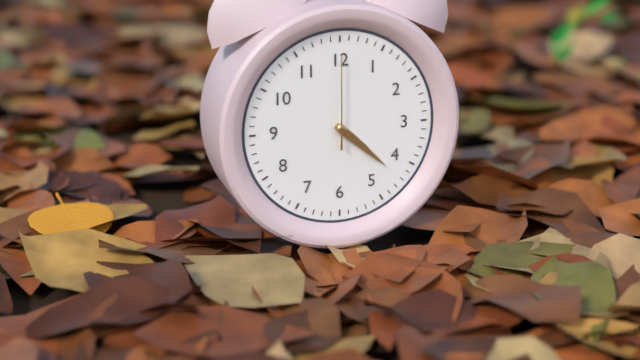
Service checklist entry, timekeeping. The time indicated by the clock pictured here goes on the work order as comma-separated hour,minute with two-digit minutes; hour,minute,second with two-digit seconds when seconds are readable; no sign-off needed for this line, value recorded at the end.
4,22,00
